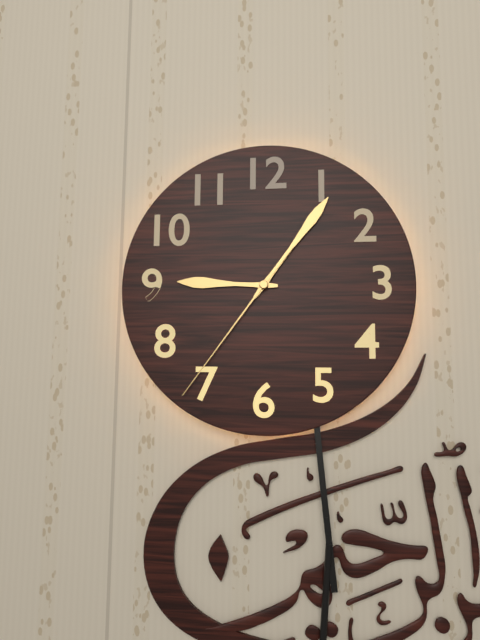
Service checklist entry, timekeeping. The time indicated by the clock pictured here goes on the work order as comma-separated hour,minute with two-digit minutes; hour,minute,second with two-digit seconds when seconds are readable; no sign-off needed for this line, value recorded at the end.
9,06,36
